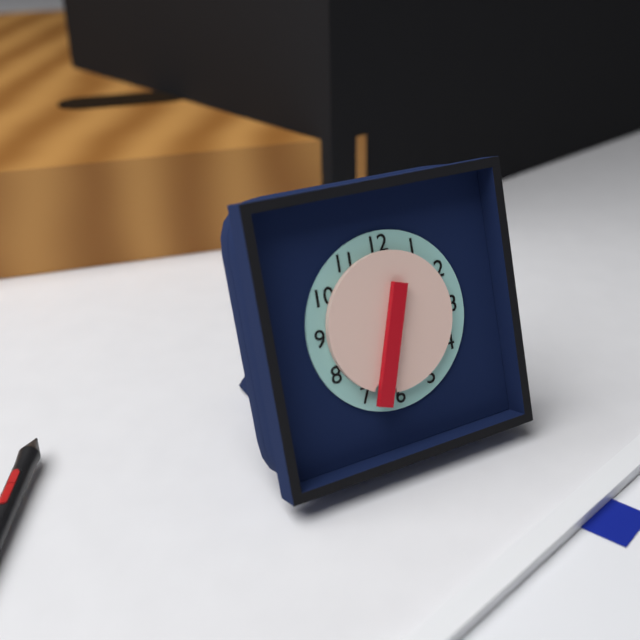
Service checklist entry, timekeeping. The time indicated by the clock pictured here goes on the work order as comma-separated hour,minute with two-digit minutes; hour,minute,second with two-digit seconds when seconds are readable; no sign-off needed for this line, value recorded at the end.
6,33
